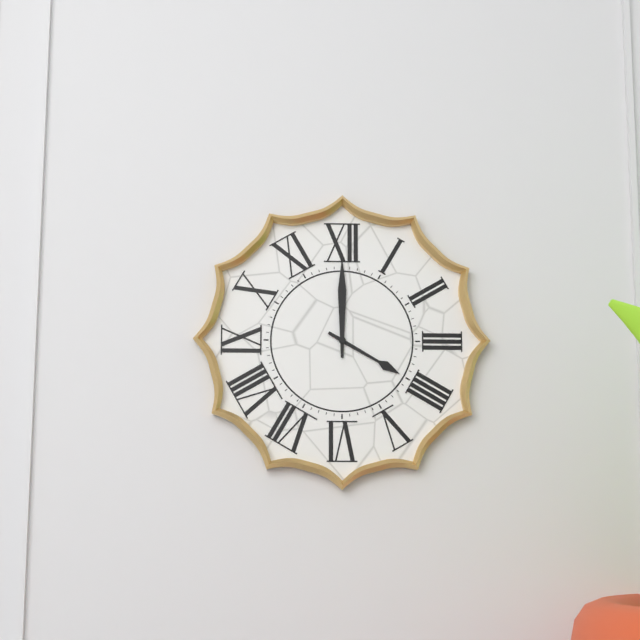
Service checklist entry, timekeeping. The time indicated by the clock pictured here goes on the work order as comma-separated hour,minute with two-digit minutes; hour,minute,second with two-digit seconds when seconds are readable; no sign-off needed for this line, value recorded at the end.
4,00
